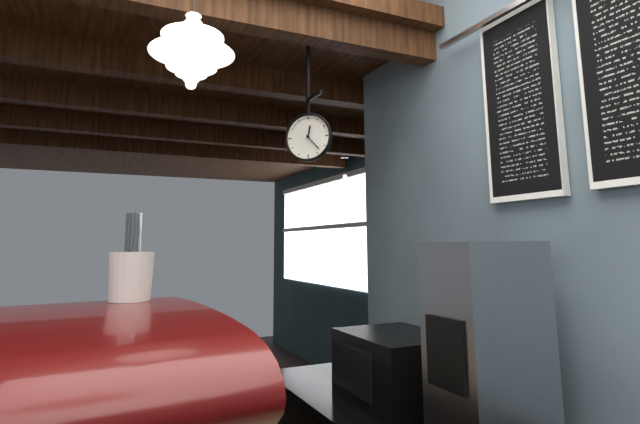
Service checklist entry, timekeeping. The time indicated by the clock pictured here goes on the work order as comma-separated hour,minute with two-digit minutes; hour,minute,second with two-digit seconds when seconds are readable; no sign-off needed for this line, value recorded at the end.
12,23
